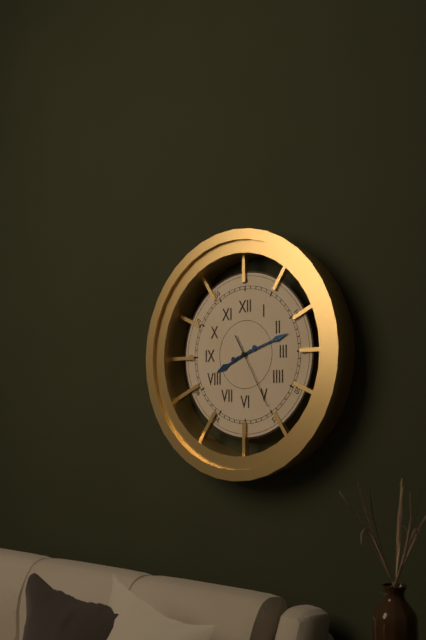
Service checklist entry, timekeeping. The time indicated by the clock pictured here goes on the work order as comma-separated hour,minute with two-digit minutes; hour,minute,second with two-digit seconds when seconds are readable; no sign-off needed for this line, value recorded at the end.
8,12,25
